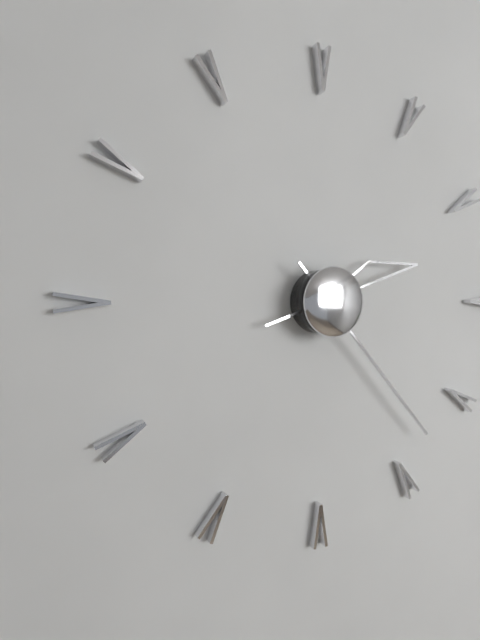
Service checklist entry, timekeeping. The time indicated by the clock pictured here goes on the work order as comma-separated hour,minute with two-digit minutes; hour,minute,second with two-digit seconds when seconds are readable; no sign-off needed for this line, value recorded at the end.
2,23
